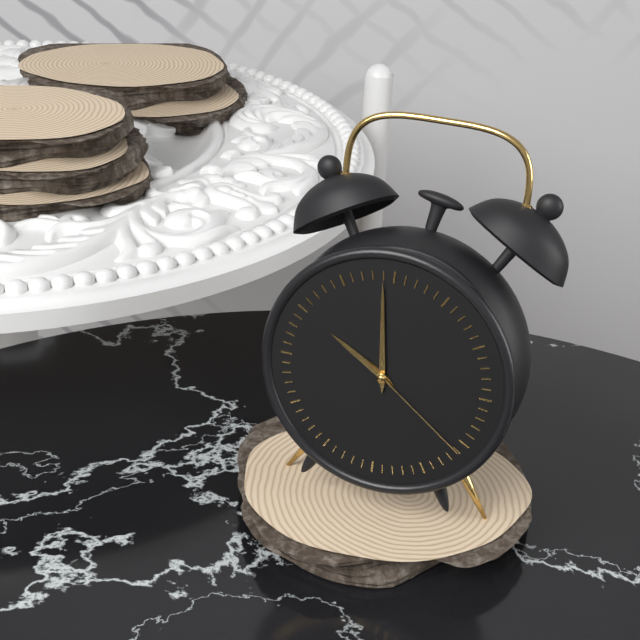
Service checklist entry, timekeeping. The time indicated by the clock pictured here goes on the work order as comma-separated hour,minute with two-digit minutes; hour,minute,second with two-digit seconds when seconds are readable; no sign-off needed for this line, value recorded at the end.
9,59,21
